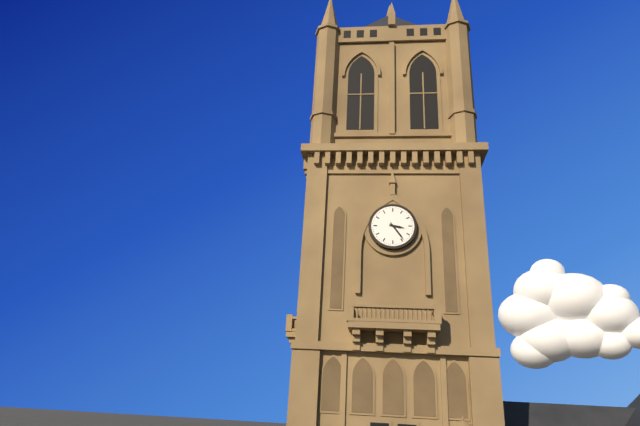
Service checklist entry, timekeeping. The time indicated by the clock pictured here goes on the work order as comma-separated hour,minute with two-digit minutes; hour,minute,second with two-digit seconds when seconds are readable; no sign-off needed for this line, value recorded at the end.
3,24
